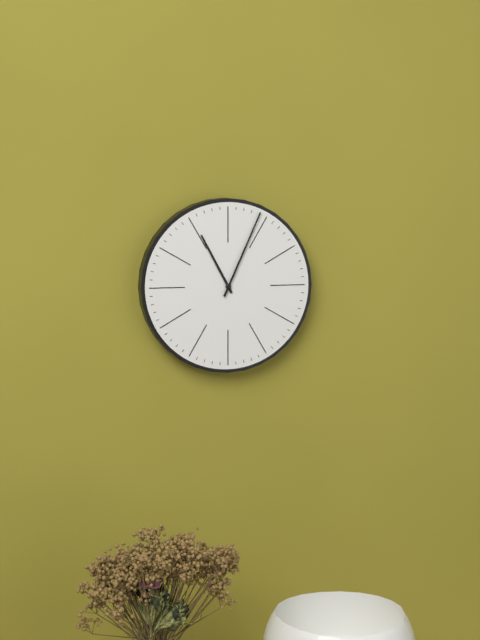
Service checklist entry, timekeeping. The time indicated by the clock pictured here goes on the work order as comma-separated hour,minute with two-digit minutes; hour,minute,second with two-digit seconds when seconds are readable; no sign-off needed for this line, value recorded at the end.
11,04
